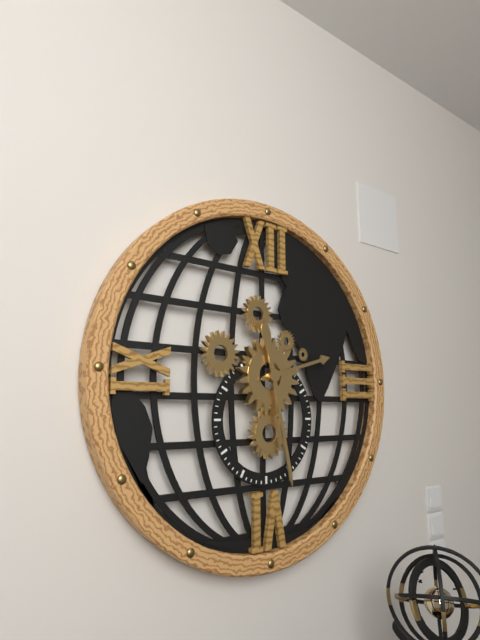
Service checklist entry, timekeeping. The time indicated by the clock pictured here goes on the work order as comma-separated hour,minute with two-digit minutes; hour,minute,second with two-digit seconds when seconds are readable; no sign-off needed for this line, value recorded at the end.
2,28
